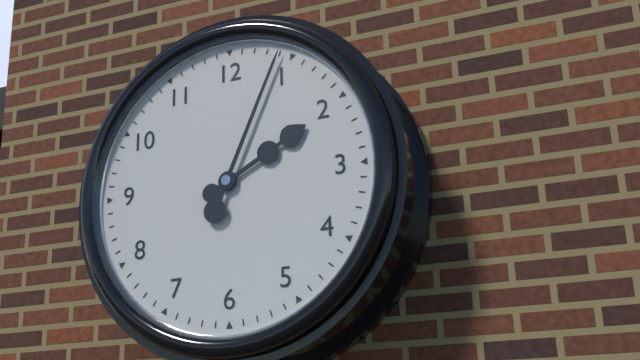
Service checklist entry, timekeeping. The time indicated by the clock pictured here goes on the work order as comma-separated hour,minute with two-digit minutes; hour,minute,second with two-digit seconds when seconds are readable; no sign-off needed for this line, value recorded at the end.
2,04
